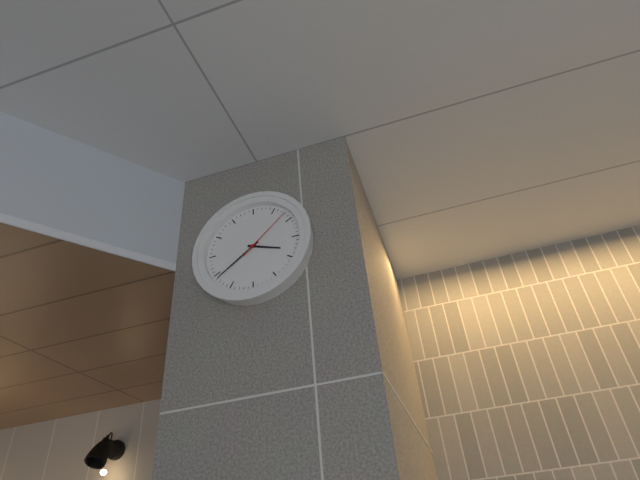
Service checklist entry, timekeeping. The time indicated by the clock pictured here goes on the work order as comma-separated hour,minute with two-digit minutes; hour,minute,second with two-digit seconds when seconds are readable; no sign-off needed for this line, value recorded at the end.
3,39,08
